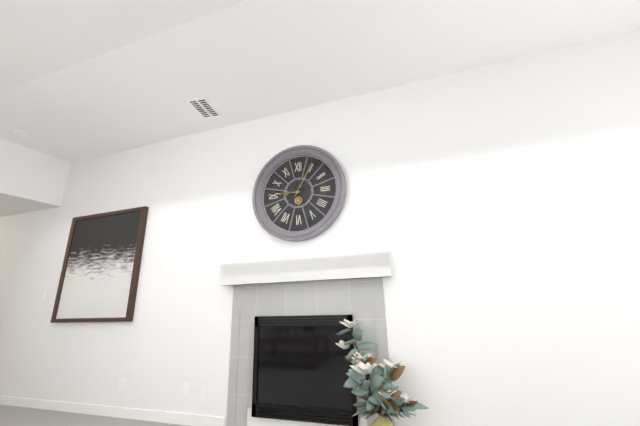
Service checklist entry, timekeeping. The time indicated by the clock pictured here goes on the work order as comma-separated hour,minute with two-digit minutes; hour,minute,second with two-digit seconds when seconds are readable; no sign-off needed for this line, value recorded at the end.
9,05
